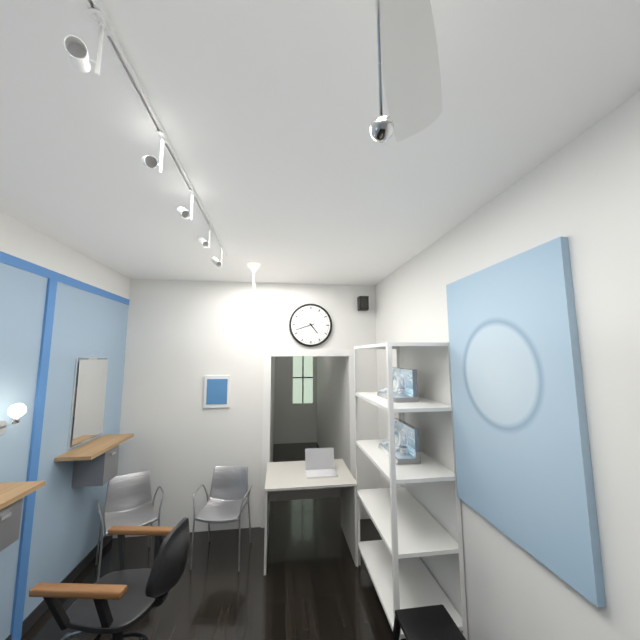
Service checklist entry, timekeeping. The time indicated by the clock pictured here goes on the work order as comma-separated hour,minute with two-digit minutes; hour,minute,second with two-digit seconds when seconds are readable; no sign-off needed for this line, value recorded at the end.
4,42
